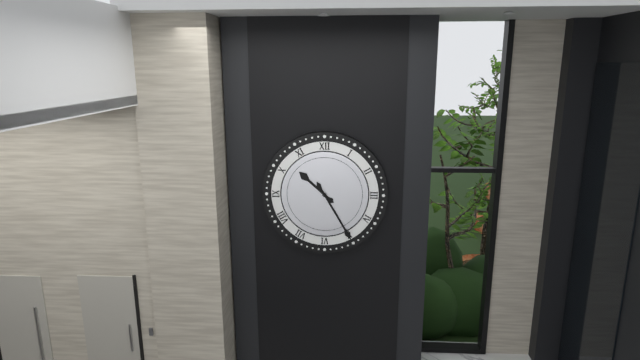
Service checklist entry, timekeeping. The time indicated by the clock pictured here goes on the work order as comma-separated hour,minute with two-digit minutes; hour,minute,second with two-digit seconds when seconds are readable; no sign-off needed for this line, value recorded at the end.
10,25
